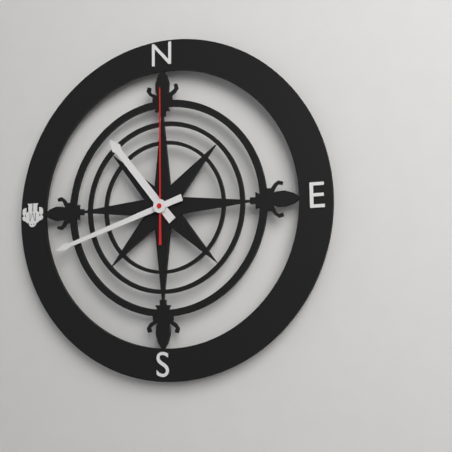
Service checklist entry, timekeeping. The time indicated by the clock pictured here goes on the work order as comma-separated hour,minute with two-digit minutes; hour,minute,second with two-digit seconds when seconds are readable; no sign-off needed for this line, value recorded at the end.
10,42,00
